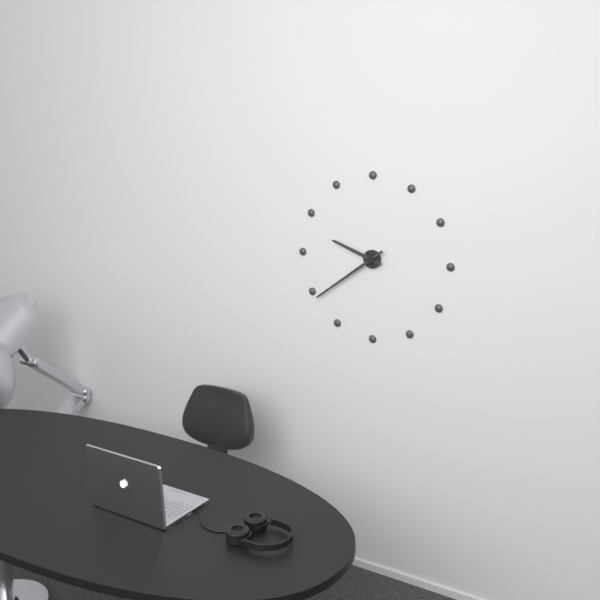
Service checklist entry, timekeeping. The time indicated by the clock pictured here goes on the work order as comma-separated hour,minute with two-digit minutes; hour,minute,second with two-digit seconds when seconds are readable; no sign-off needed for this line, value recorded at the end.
9,39
